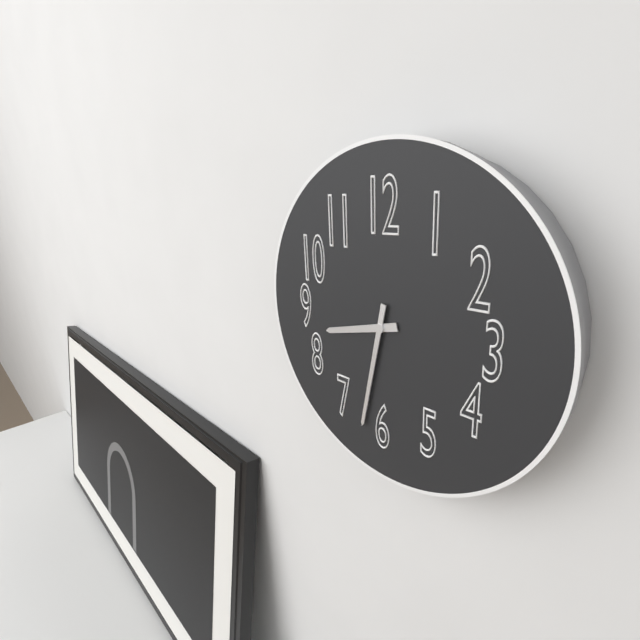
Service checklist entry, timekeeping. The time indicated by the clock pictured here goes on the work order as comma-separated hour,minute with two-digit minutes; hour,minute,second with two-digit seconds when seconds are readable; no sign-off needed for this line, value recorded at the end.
8,32
